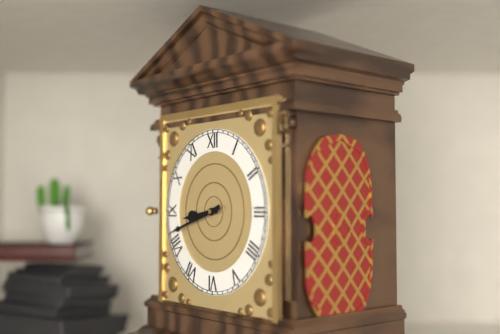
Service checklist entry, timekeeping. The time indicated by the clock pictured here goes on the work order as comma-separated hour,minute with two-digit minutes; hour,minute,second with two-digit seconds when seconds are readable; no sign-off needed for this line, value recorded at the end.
8,42
